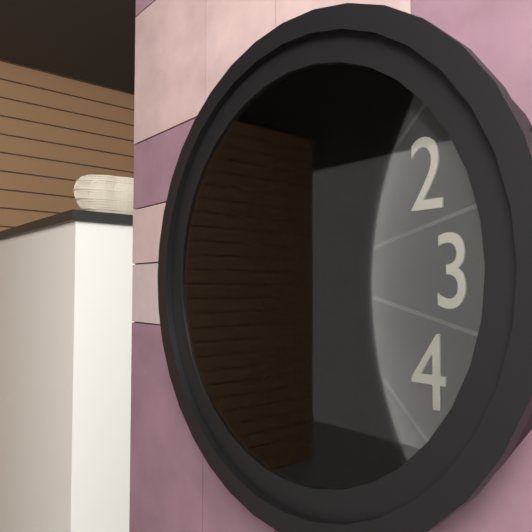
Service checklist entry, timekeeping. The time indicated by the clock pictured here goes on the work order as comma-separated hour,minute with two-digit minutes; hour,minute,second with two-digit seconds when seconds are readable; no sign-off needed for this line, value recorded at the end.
10,52
